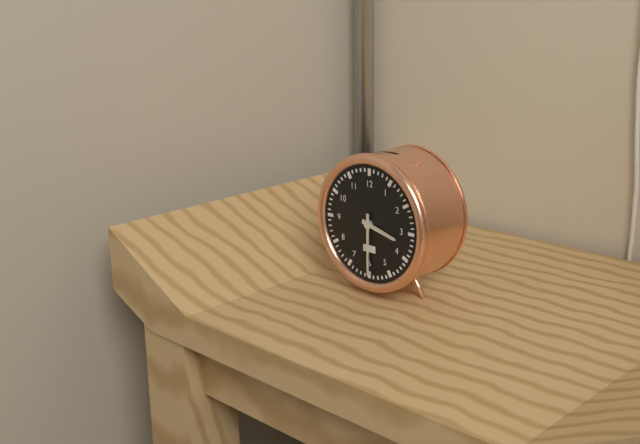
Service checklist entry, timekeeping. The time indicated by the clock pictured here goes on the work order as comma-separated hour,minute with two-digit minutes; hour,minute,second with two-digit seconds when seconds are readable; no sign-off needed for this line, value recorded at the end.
3,30
